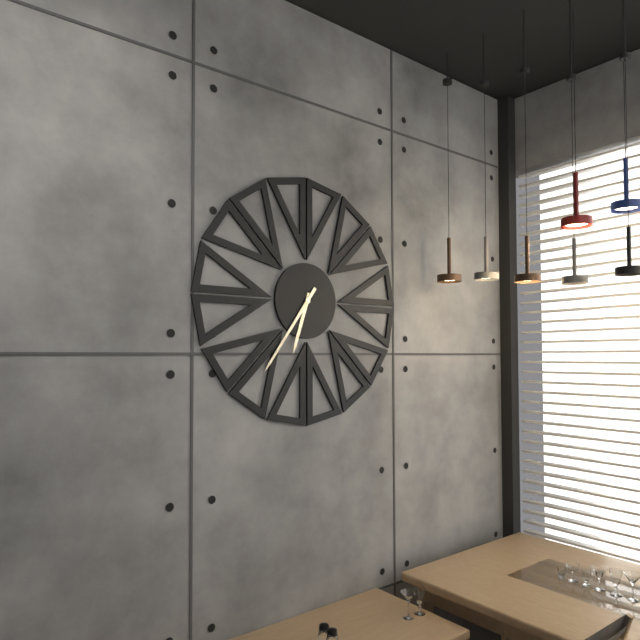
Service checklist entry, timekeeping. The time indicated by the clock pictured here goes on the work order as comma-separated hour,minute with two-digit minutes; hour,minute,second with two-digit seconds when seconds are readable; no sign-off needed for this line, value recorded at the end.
6,36
